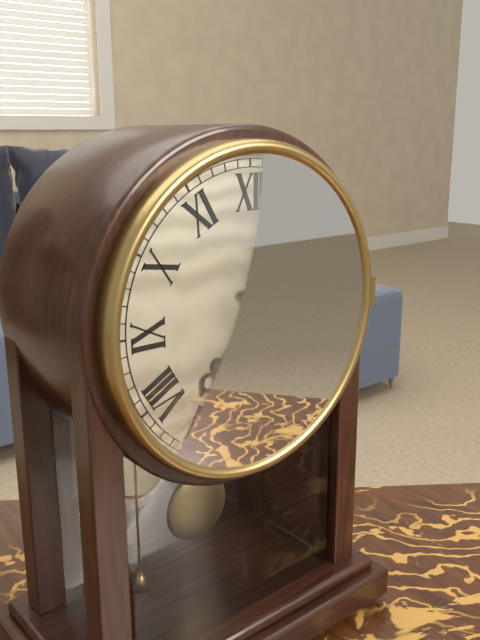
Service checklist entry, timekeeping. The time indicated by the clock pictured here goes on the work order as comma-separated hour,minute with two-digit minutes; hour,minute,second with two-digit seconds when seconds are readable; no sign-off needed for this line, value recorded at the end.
7,25
